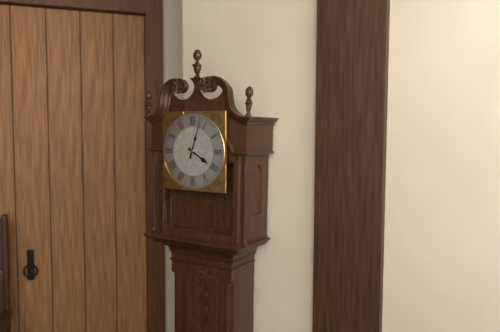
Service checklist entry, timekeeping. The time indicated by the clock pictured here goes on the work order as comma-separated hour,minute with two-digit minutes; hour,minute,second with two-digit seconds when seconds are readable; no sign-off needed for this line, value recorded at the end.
4,03
